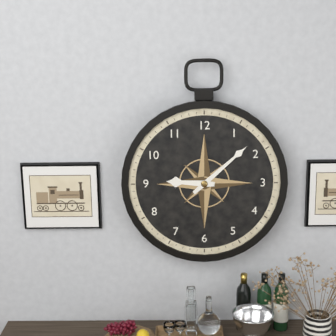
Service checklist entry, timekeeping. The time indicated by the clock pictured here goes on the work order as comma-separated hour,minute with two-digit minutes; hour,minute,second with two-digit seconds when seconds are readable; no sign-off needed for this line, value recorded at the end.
9,08
